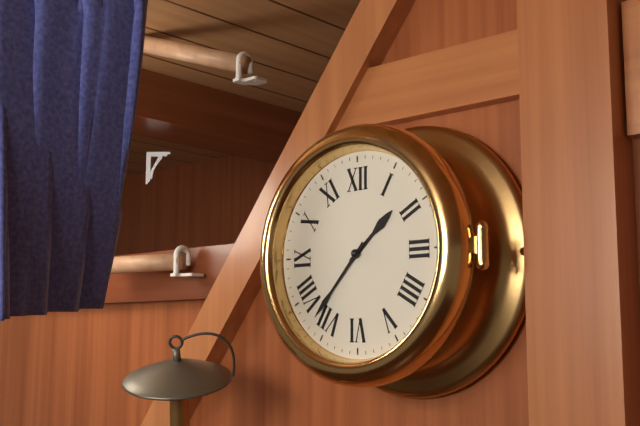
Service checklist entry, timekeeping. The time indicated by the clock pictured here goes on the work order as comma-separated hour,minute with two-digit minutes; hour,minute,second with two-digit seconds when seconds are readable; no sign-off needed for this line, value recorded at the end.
1,37
